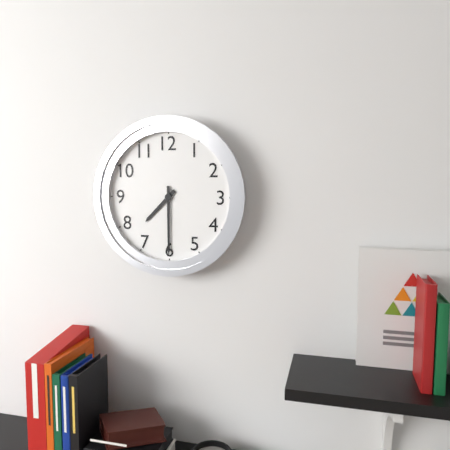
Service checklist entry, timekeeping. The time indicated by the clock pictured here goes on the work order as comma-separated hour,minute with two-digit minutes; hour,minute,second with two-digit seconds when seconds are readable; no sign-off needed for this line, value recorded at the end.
7,30
